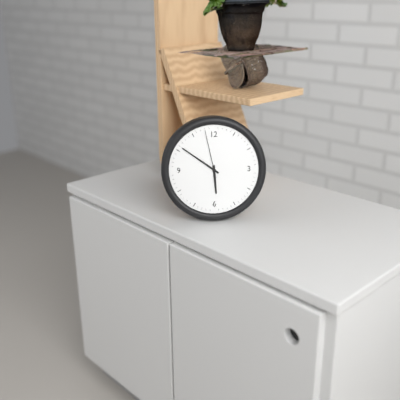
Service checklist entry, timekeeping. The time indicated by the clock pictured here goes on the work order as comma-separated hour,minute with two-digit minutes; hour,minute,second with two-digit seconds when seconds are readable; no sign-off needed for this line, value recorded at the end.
5,51,58
